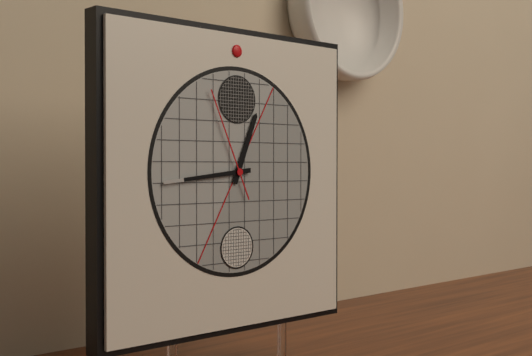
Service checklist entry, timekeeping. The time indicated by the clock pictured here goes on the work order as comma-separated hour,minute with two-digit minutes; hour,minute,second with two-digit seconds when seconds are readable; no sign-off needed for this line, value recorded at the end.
12,44,56
